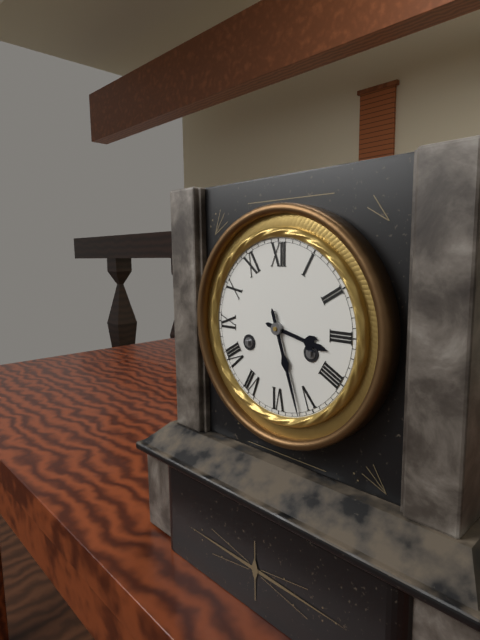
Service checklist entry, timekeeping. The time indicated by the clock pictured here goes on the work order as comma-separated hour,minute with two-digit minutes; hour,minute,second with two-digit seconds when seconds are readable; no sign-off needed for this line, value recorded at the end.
3,27
